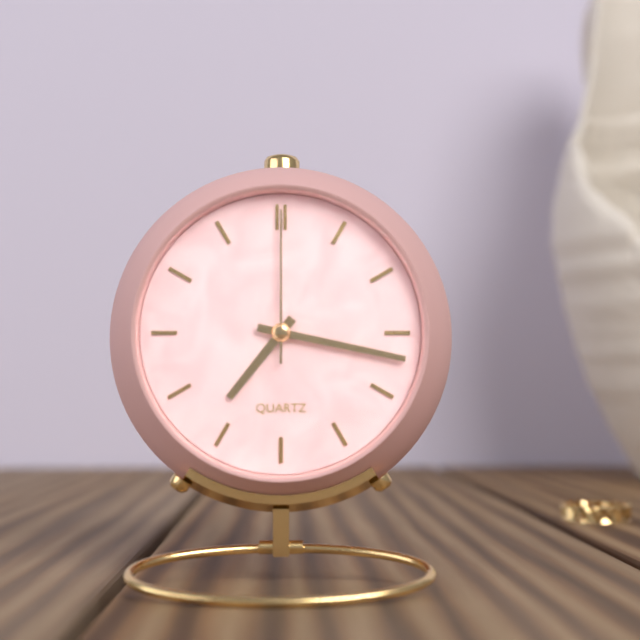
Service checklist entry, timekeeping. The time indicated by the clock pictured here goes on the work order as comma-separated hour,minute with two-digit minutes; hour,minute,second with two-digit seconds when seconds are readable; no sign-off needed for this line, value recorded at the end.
7,17,00
